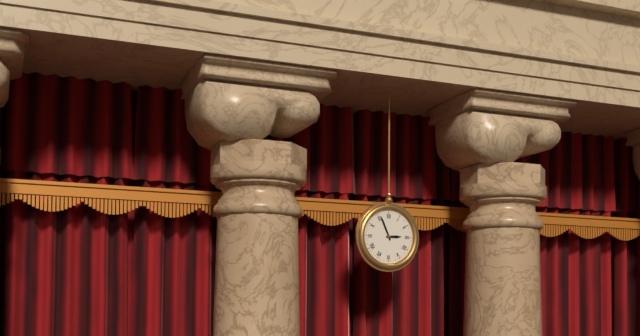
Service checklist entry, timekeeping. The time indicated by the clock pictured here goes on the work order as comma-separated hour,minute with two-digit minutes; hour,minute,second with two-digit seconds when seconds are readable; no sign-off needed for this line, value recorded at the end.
2,56
